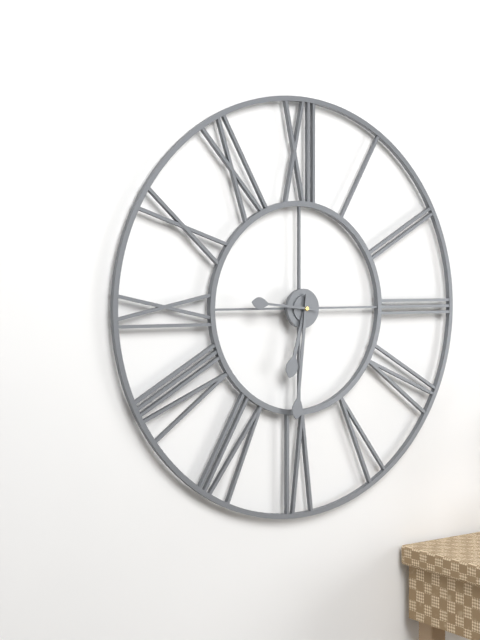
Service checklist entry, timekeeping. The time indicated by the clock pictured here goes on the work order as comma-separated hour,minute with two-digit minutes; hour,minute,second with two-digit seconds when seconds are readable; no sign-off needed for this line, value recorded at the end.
6,31,46
